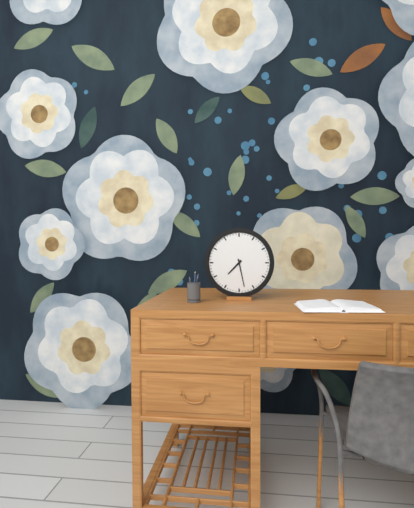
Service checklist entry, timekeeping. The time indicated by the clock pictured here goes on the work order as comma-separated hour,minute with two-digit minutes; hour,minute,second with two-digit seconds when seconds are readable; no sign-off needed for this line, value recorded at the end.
7,28
